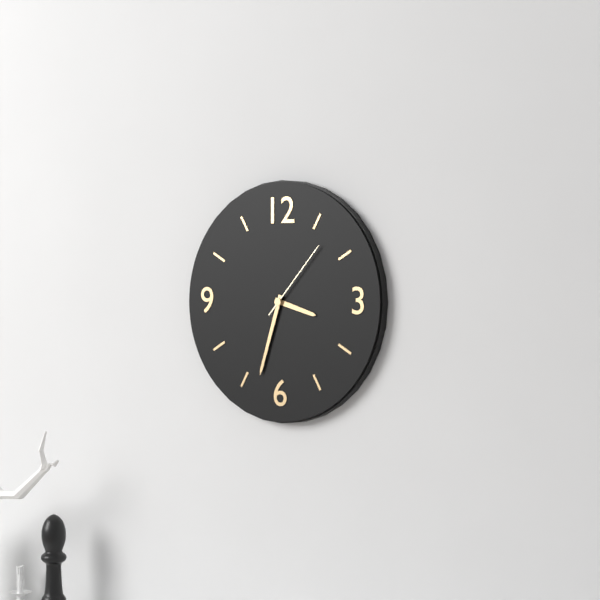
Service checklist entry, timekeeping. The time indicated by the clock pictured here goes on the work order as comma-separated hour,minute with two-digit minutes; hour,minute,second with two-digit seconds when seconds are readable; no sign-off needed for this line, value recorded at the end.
3,33,07
